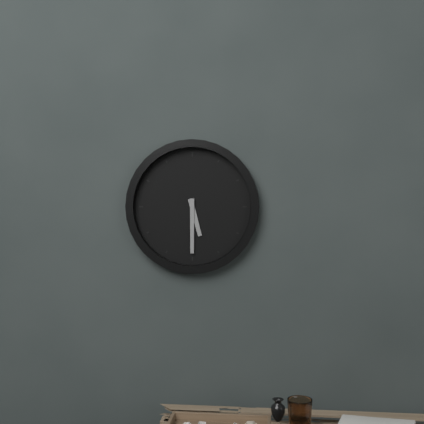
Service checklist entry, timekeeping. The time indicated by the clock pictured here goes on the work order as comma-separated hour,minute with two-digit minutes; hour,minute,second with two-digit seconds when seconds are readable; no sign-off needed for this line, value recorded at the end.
5,30
